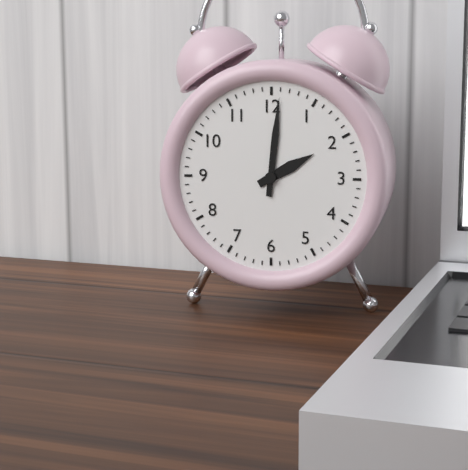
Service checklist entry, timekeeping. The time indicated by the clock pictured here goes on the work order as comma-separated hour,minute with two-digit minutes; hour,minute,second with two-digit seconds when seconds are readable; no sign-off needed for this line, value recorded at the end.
2,01
